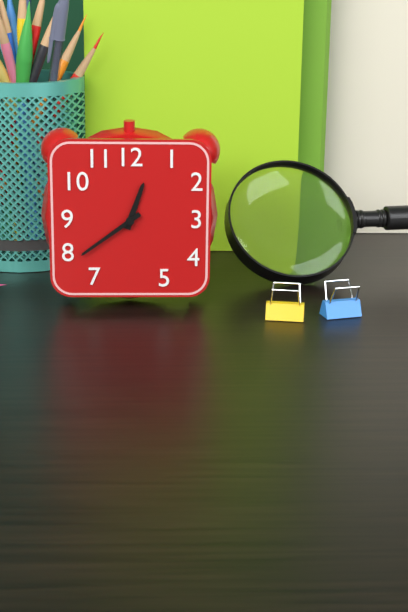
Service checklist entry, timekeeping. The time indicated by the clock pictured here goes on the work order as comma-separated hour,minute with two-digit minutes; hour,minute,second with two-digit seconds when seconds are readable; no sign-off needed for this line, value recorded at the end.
12,39
